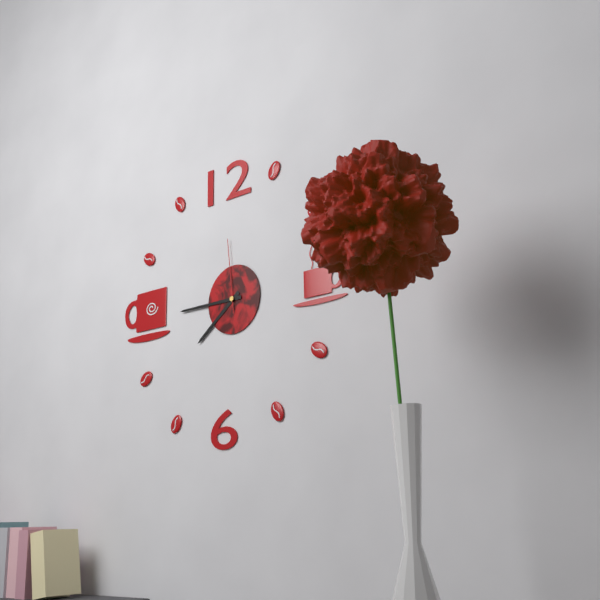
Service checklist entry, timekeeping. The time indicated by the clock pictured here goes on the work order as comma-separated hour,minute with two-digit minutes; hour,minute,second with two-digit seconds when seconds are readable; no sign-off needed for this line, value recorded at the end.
7,45,59
